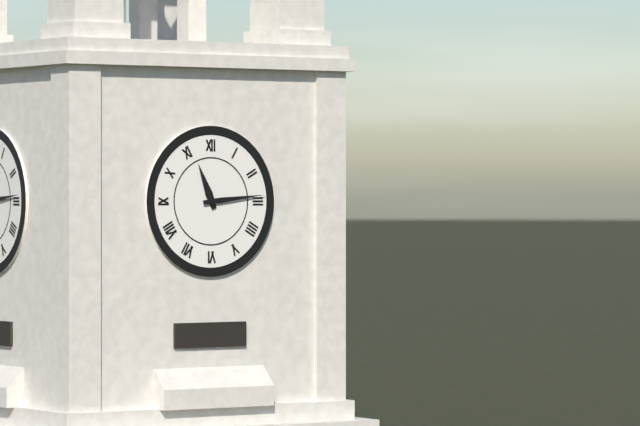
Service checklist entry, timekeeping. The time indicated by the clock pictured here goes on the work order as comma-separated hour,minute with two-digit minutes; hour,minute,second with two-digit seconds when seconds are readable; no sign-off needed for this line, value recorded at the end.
11,14
